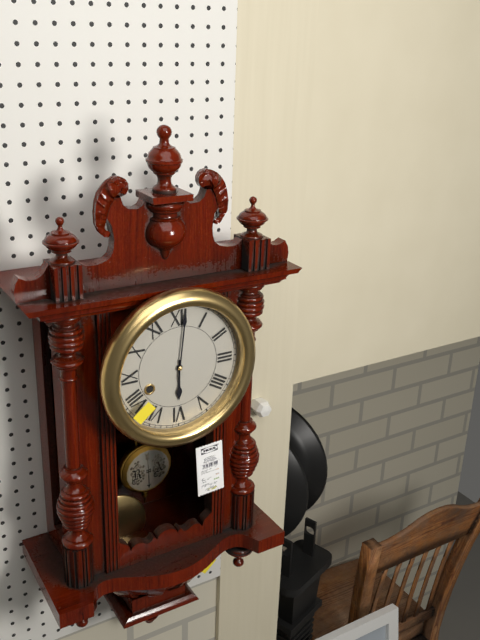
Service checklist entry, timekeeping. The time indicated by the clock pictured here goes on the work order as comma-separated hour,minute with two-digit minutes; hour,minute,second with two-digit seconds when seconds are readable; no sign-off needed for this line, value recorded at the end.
6,01
